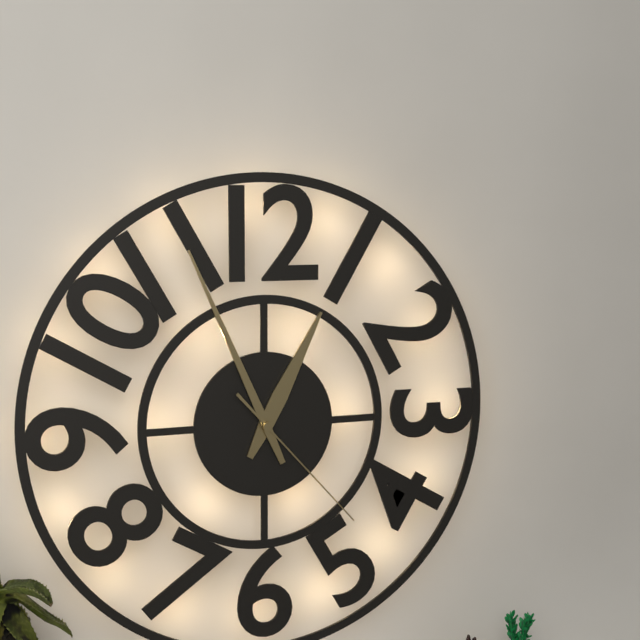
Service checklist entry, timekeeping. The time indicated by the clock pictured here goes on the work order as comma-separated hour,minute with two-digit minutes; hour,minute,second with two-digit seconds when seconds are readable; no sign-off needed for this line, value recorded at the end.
12,56,23
